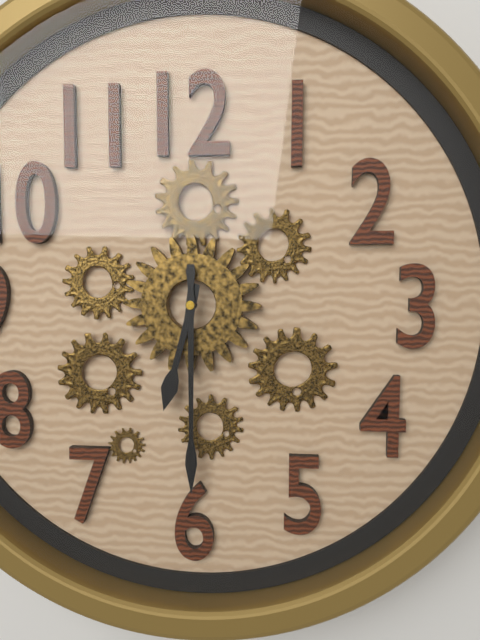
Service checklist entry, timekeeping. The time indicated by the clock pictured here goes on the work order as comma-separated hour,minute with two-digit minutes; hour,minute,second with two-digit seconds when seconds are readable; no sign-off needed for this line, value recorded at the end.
6,30
